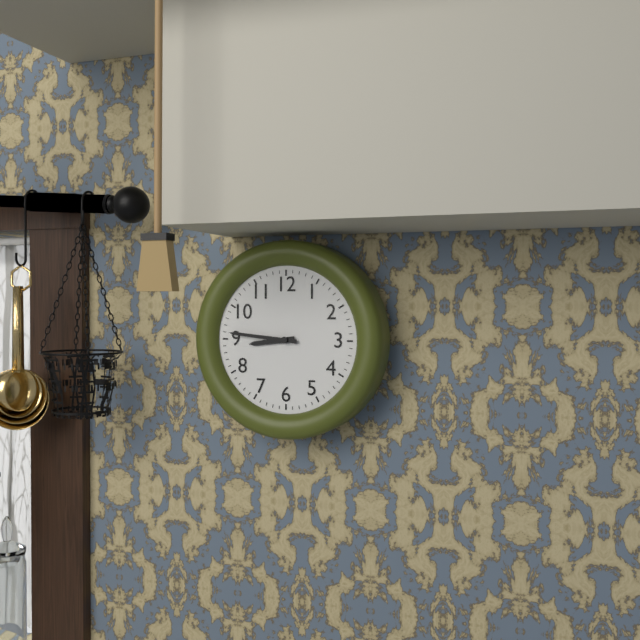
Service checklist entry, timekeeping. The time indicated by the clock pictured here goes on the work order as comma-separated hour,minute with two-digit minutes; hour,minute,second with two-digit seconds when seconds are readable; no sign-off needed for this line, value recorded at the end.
8,46
